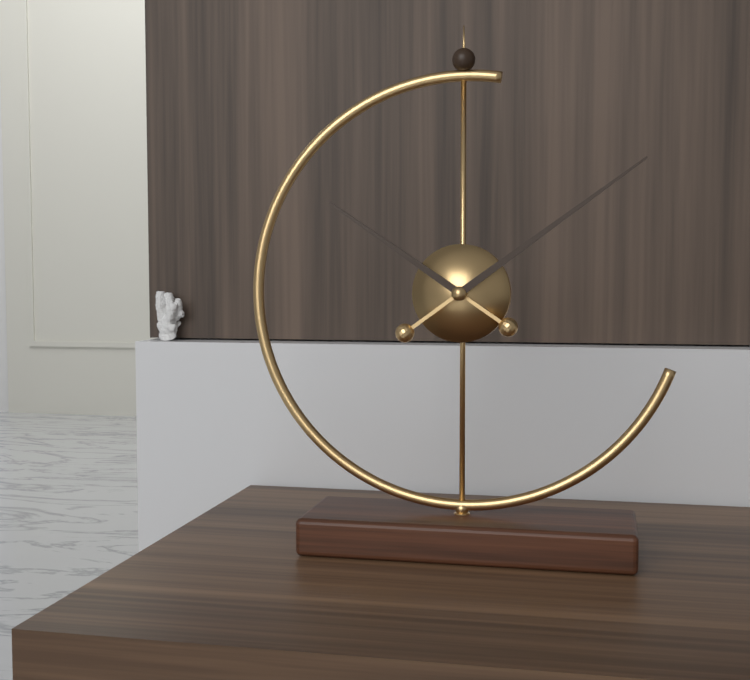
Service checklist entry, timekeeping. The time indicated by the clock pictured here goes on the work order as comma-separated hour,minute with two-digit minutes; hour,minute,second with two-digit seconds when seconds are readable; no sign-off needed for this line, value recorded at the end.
10,09
